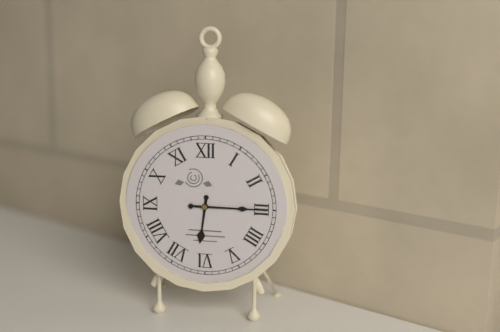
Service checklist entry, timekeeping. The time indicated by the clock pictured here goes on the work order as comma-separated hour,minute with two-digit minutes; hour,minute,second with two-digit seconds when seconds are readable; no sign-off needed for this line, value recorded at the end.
6,15
